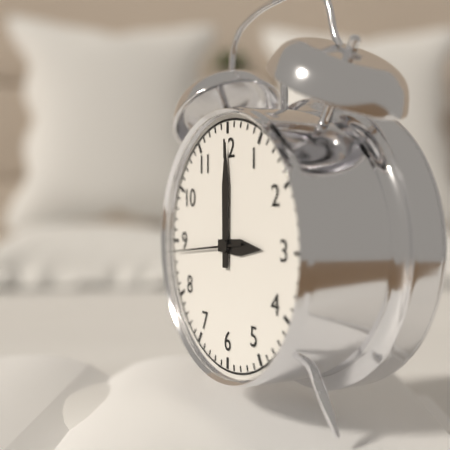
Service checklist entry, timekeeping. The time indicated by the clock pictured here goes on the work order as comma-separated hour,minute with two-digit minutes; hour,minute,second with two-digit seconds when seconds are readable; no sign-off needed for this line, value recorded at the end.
3,00,44
